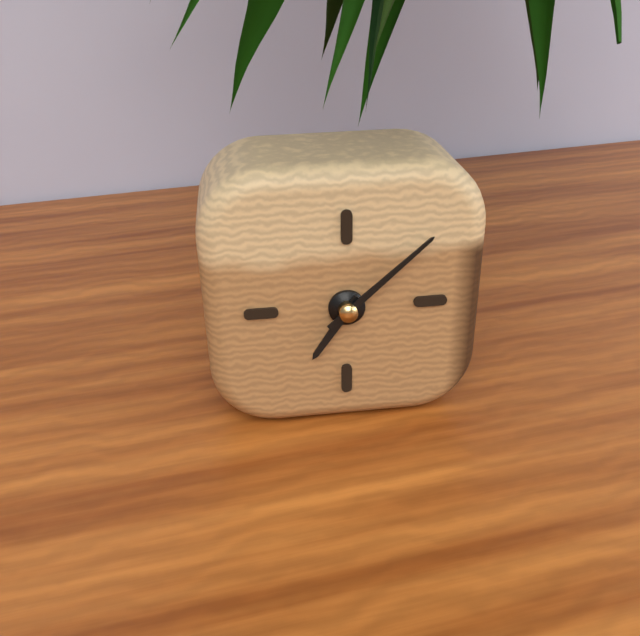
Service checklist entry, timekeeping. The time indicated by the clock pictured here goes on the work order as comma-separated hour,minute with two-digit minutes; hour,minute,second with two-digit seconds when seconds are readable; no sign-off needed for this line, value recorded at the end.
7,08
